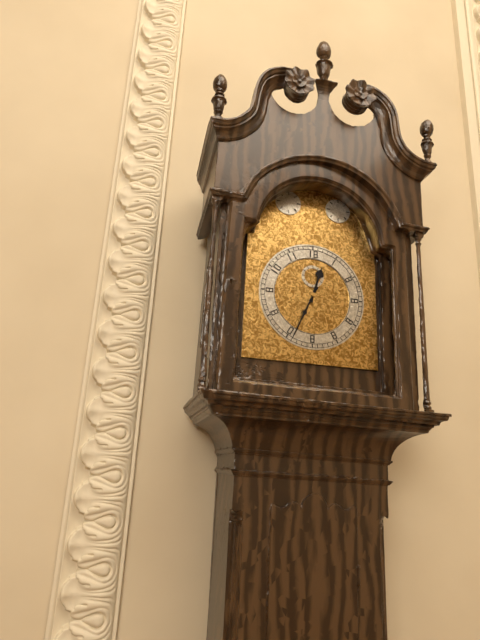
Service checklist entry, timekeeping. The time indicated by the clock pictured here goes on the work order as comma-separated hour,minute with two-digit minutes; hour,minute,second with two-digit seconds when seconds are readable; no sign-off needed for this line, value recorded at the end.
12,34
